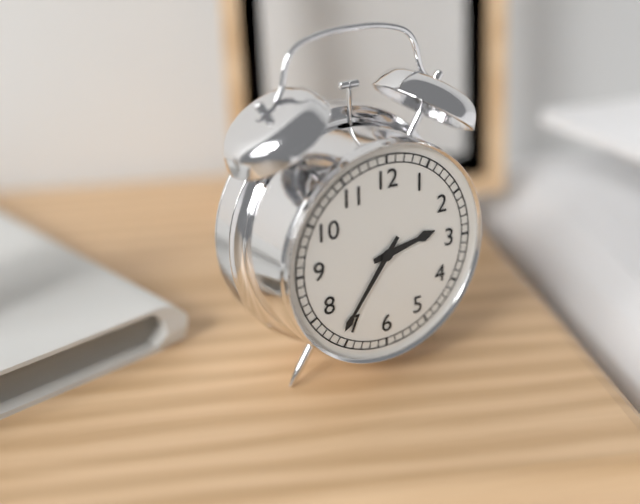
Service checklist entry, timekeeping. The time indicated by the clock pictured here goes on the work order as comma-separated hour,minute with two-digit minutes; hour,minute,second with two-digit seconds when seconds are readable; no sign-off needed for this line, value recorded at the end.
2,36
